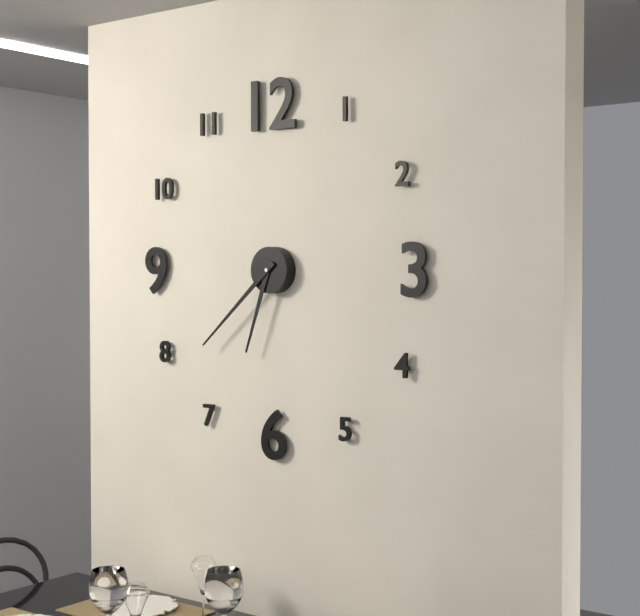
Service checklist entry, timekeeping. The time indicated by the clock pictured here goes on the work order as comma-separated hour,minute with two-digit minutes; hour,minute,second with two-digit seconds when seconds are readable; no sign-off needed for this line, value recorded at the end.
6,38
